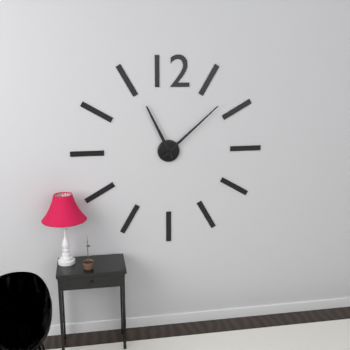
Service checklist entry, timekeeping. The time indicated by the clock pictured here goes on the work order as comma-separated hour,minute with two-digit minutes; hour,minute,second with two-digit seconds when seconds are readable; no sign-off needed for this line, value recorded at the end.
11,08
